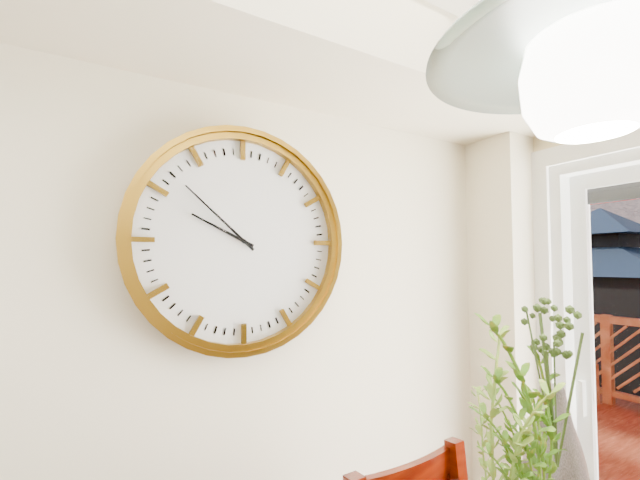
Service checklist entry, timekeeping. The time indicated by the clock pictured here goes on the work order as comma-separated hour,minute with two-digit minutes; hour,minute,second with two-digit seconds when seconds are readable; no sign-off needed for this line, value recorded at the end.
9,52
